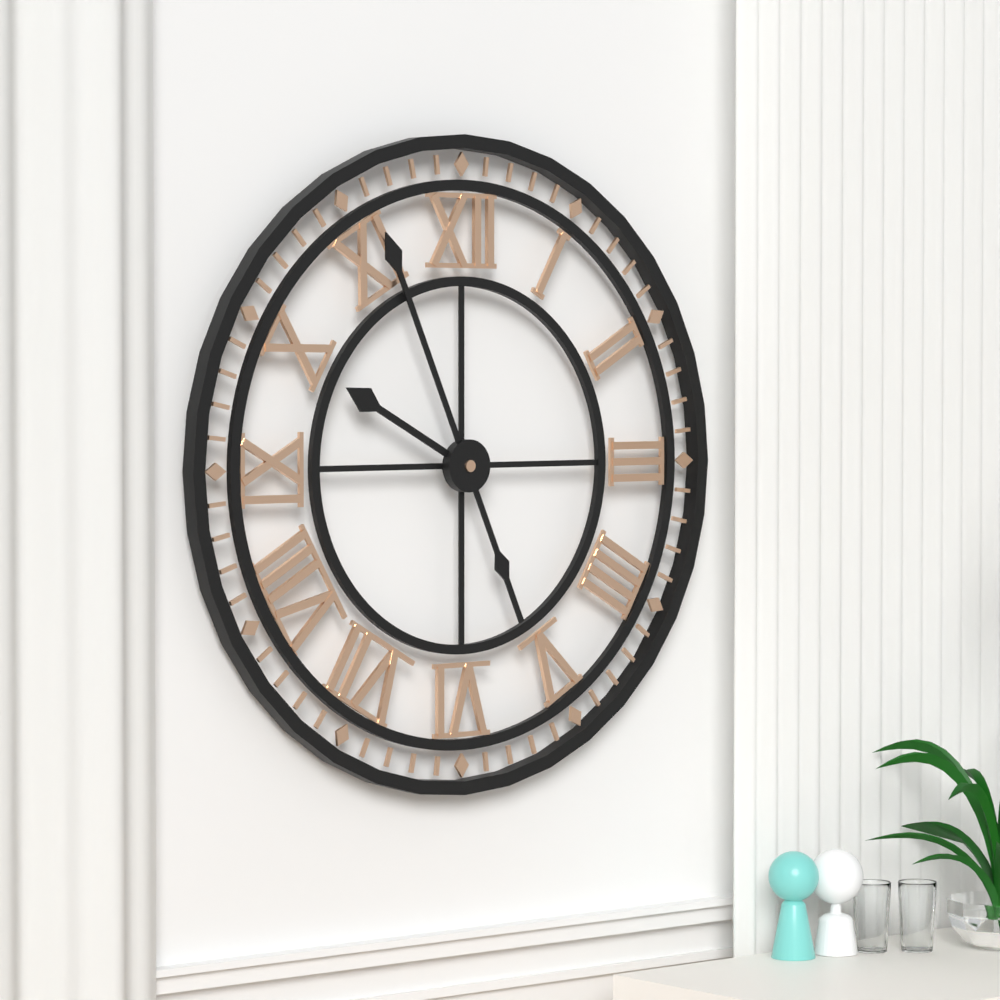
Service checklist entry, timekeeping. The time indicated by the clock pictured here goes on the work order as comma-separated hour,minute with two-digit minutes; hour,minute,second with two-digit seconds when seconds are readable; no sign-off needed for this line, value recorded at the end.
9,56
